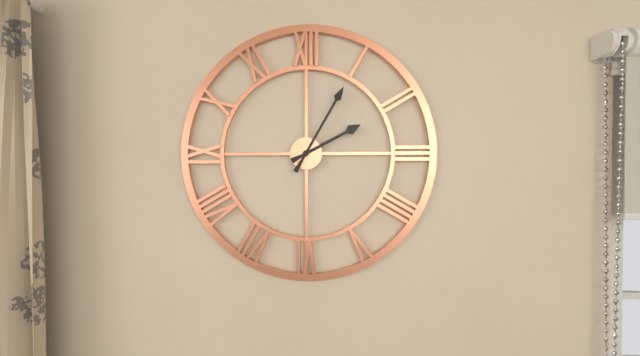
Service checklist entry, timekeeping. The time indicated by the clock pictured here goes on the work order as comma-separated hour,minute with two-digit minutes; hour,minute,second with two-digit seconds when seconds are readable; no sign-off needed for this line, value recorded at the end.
2,05
